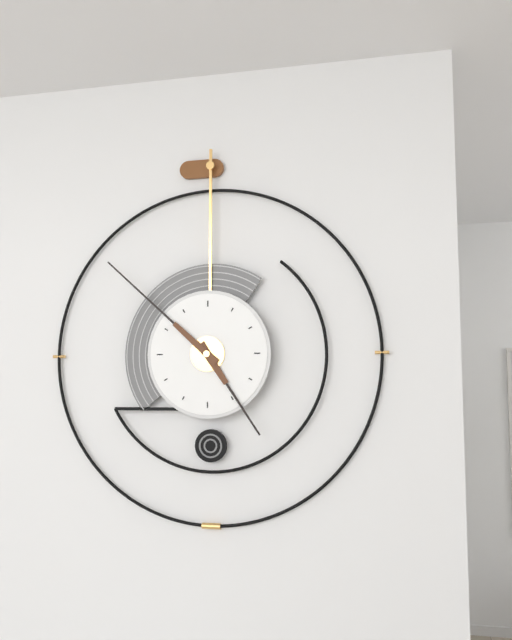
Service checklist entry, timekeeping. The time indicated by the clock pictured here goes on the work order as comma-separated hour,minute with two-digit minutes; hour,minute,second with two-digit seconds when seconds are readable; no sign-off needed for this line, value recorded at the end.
4,52
